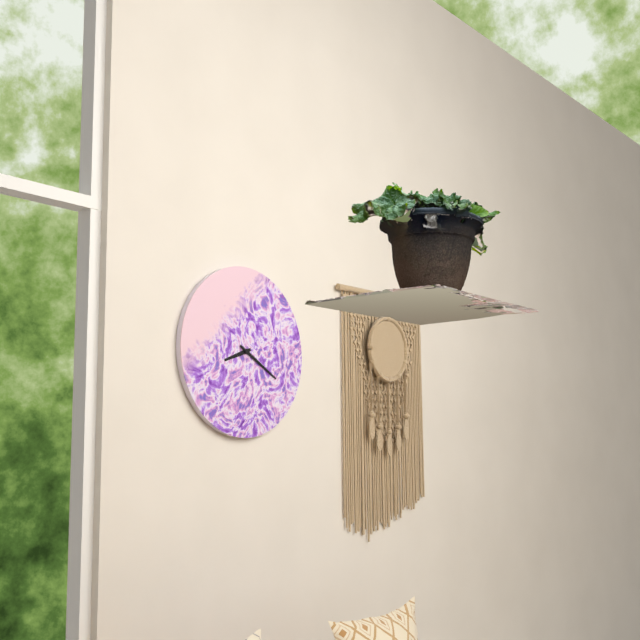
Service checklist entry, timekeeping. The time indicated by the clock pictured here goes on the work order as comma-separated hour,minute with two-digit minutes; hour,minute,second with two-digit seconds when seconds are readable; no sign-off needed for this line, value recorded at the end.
8,20
